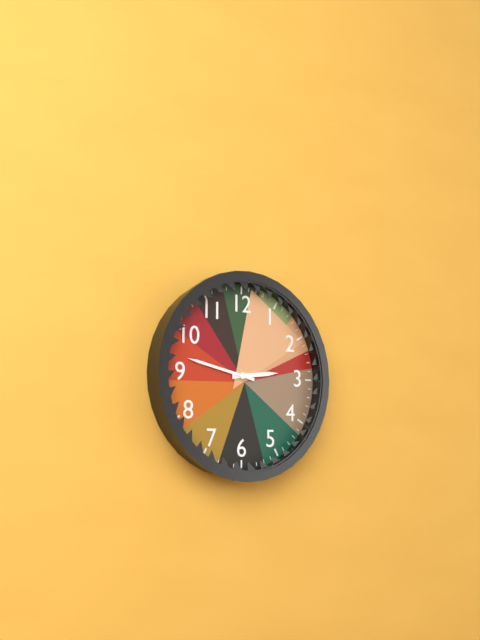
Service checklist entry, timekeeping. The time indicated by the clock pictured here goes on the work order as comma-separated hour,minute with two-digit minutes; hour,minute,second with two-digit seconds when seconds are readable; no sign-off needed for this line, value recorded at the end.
2,47
